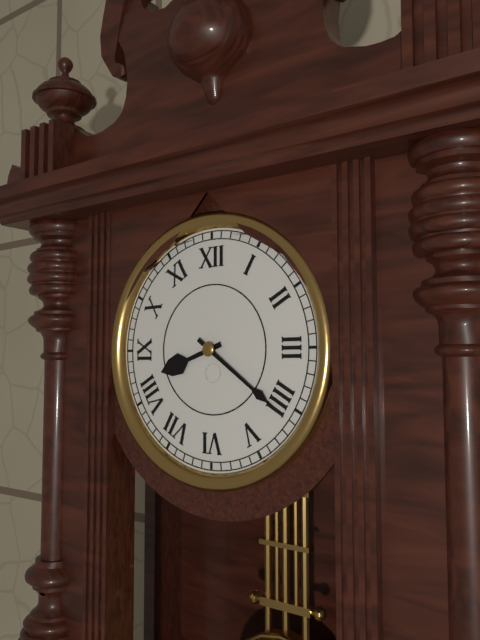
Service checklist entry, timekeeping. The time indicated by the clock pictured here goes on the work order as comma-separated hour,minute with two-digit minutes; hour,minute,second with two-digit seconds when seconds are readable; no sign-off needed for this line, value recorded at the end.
8,21
